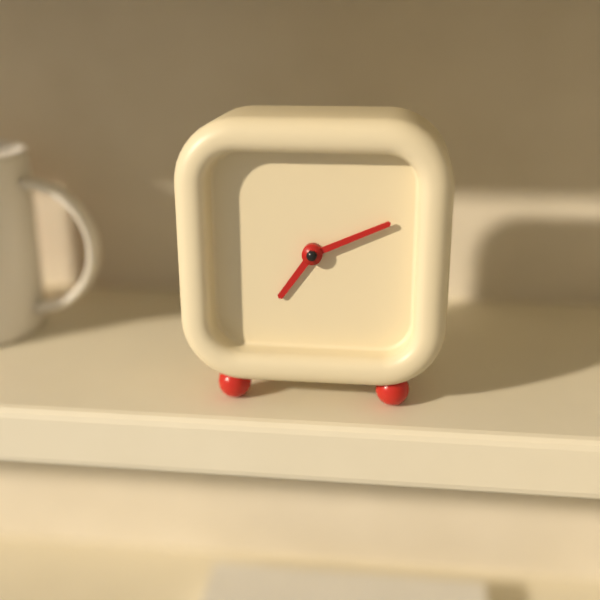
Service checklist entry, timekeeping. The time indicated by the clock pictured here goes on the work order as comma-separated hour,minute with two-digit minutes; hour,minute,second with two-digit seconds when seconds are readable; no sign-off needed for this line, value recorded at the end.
7,11
